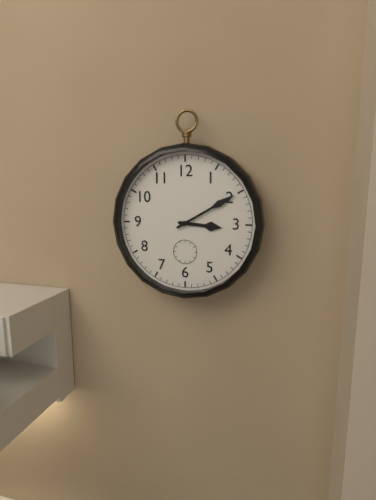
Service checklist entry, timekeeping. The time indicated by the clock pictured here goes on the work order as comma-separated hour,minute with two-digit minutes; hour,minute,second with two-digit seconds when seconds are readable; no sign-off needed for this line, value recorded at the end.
3,10
